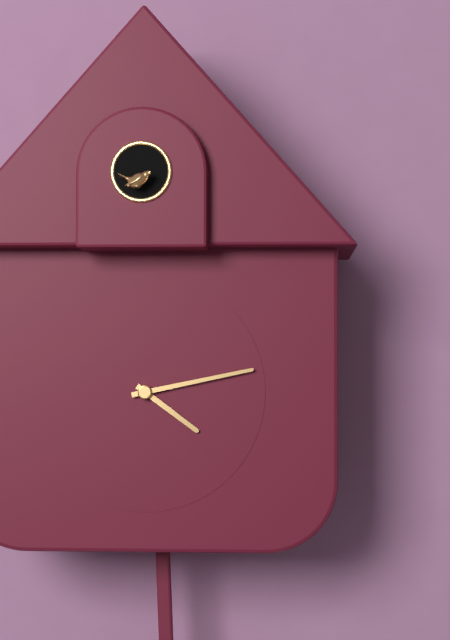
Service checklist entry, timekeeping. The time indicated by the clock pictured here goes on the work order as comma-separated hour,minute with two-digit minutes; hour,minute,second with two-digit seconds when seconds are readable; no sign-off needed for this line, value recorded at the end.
4,13
